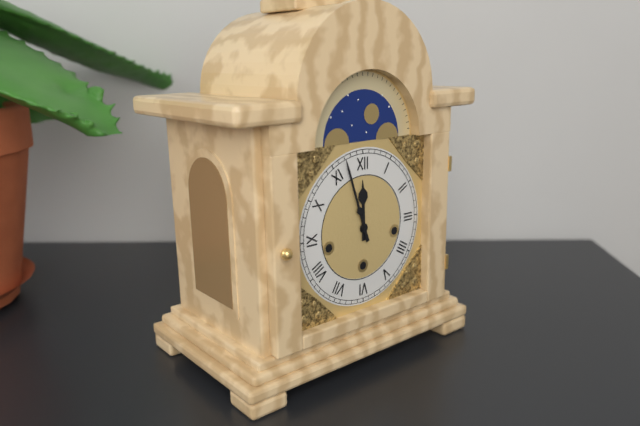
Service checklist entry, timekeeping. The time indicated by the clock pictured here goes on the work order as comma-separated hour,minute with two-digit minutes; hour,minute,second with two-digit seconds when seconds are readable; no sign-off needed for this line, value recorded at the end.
11,57
